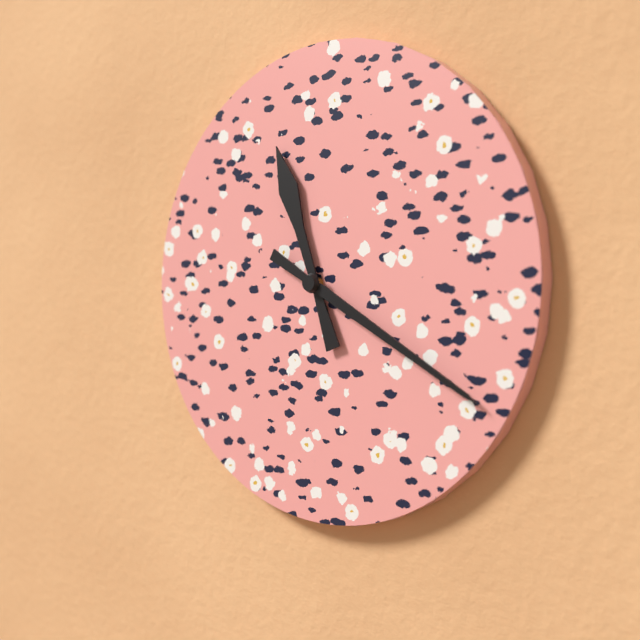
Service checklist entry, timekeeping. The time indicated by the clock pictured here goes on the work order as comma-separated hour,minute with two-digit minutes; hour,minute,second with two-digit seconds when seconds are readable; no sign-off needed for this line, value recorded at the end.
11,20
